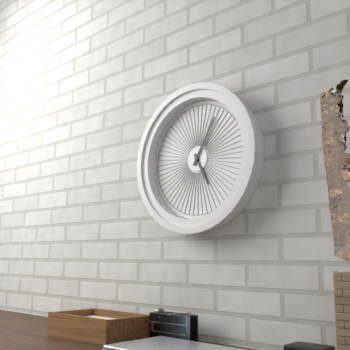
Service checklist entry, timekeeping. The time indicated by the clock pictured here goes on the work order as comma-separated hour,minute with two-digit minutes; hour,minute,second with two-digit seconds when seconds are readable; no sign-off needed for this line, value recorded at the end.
5,05
